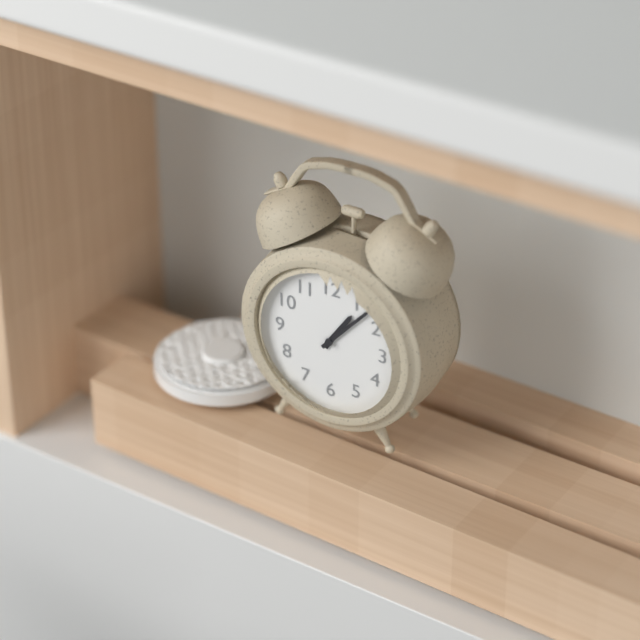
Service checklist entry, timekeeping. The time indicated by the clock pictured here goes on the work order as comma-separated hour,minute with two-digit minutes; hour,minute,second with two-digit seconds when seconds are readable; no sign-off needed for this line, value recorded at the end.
1,07
